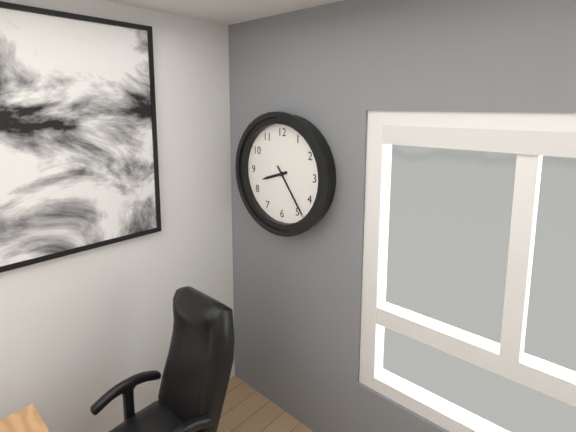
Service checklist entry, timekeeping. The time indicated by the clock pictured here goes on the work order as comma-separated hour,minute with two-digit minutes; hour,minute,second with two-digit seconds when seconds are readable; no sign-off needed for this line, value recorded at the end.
8,24
